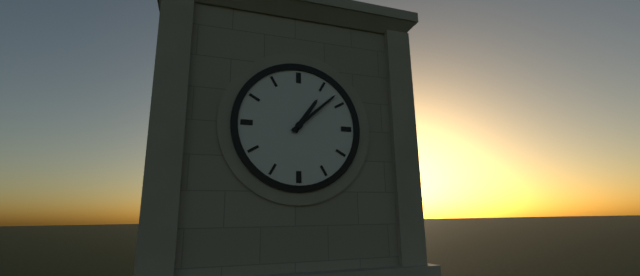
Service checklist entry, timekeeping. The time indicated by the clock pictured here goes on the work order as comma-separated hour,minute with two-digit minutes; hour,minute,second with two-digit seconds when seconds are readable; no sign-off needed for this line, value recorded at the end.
1,08
